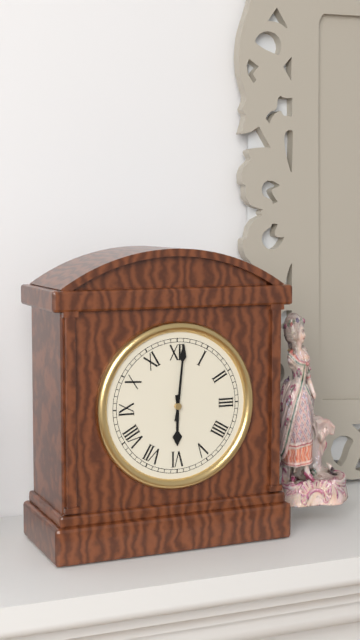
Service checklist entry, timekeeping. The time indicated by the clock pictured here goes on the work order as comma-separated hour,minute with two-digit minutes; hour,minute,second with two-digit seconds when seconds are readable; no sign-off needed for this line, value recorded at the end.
6,01
